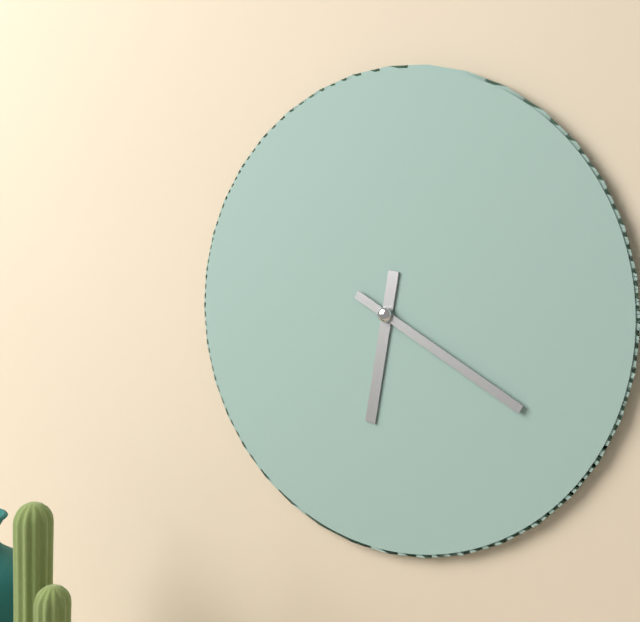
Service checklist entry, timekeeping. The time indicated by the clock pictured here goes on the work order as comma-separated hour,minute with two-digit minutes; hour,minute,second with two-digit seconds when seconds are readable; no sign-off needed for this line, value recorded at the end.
6,20
